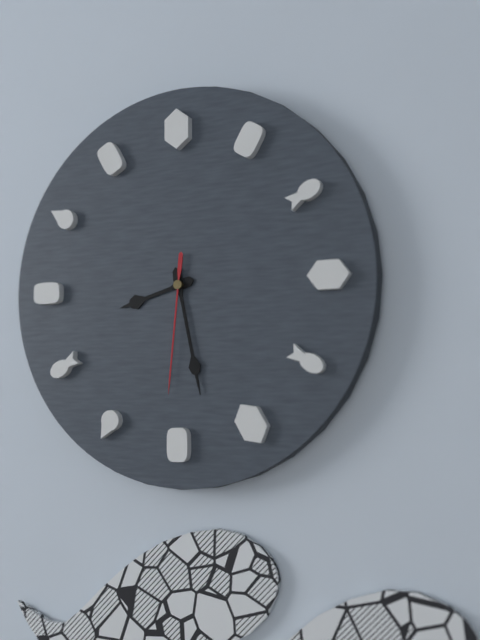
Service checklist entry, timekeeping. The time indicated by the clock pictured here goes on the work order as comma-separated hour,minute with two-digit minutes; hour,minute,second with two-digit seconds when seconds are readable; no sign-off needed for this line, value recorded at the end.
8,28,31
